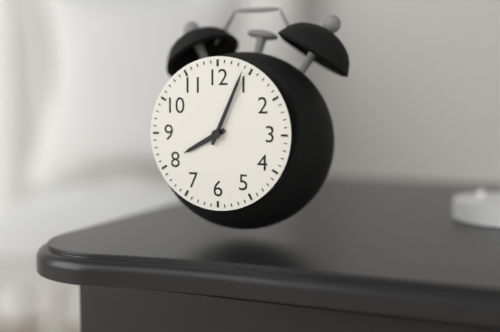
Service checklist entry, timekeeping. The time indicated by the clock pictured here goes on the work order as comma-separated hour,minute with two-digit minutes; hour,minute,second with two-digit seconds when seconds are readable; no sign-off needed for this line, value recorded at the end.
8,04
